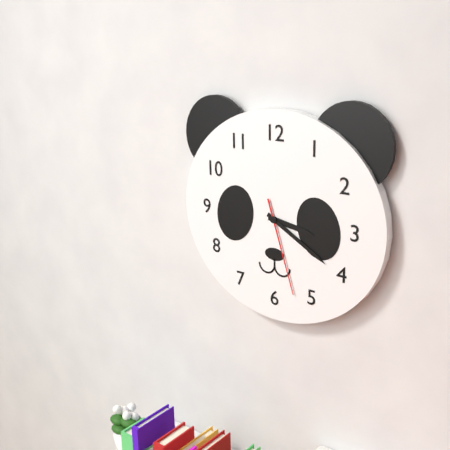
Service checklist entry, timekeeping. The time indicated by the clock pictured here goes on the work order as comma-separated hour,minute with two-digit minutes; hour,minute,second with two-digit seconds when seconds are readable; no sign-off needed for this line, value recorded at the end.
3,20,27
